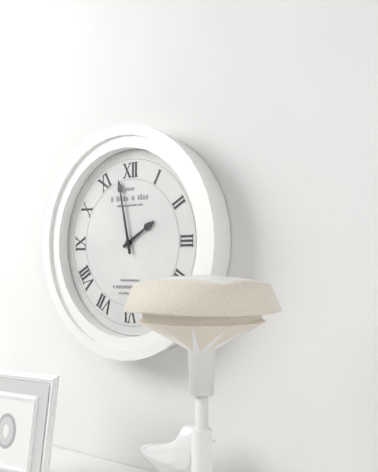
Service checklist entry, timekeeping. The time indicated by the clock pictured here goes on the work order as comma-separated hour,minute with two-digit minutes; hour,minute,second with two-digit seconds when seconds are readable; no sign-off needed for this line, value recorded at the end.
1,58
